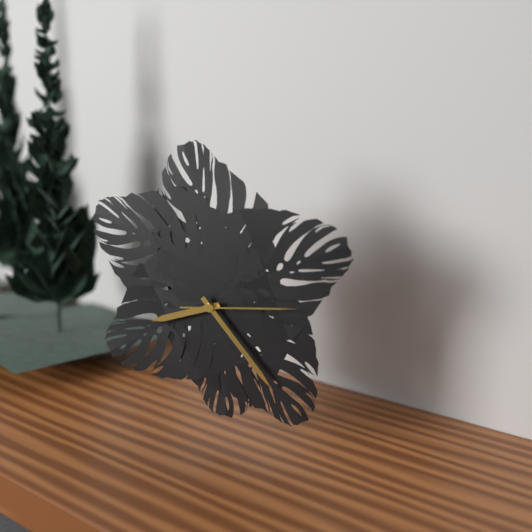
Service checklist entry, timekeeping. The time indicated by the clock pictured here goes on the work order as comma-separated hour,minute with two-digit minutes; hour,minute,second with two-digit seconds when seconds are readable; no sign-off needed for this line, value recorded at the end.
8,23,14
